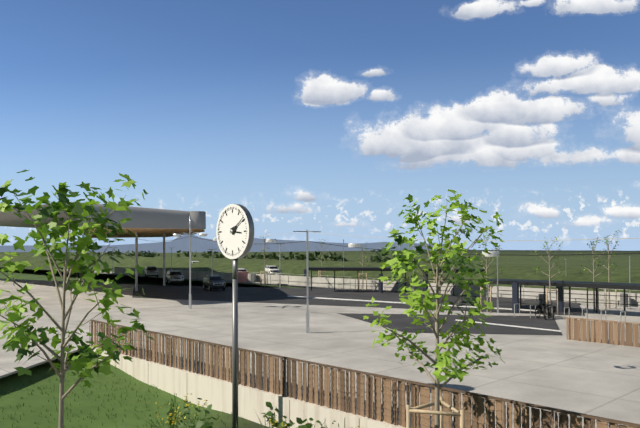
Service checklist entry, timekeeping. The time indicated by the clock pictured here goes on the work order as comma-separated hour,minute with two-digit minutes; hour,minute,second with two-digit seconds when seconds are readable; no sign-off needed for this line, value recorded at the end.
3,09
